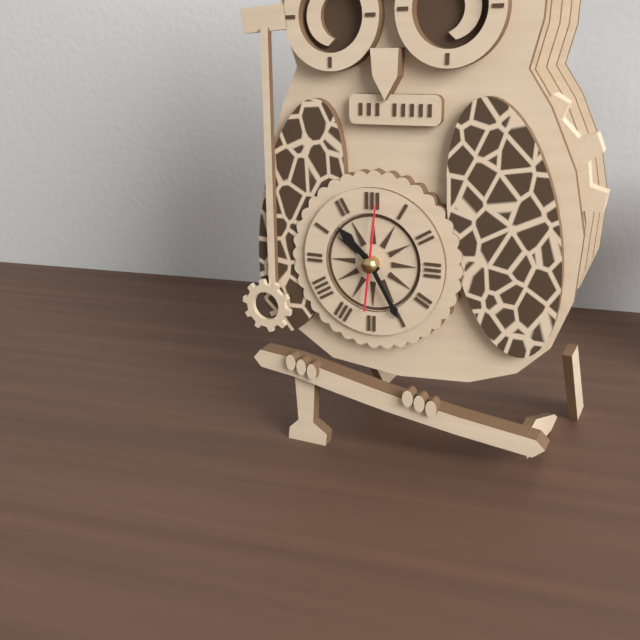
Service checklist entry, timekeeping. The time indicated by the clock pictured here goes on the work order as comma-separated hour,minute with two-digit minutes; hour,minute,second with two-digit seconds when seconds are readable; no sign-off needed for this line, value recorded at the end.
10,25,01
